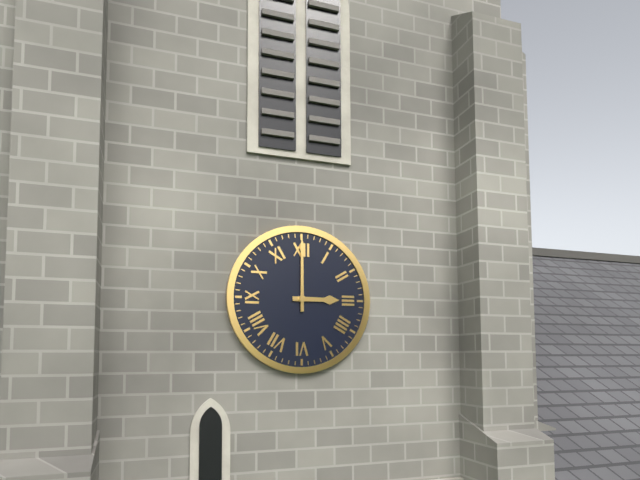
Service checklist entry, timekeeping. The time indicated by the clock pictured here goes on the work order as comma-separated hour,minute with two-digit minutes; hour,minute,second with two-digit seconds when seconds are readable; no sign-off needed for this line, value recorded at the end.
3,00
